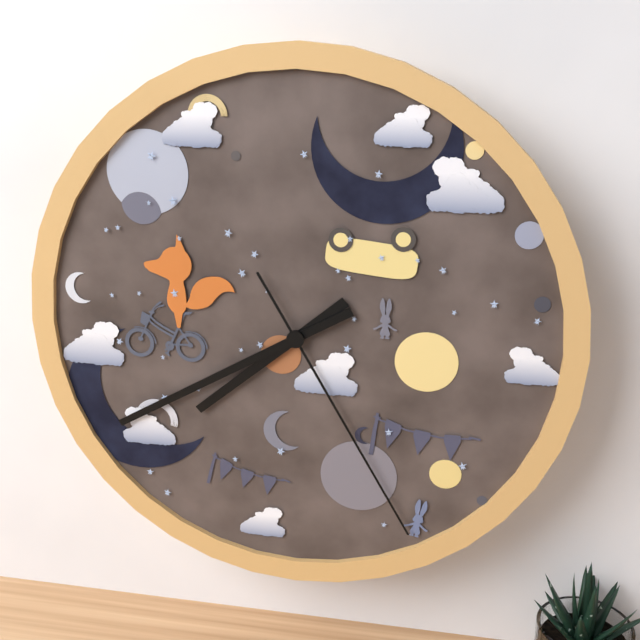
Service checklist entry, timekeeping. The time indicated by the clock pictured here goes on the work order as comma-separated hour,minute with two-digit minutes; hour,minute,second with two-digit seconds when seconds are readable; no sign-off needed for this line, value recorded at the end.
7,40,25
